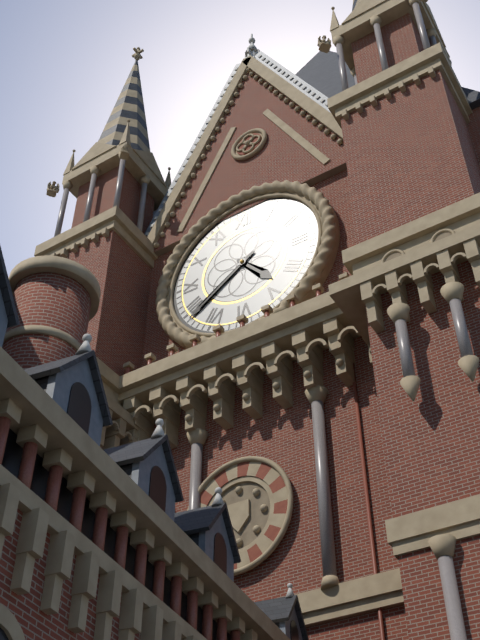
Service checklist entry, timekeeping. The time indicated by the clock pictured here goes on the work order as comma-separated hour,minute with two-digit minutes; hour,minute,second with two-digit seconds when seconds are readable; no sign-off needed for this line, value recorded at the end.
4,39
